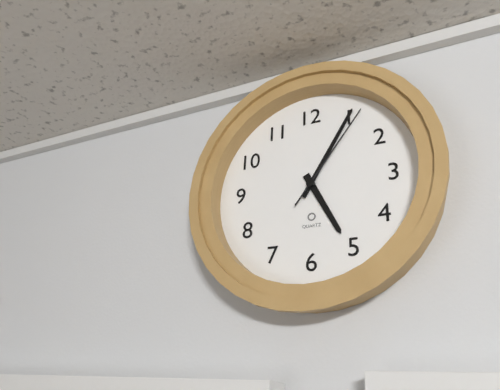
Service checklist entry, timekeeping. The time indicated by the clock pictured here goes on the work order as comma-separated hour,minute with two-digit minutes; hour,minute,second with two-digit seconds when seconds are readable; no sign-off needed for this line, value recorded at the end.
5,05,06
